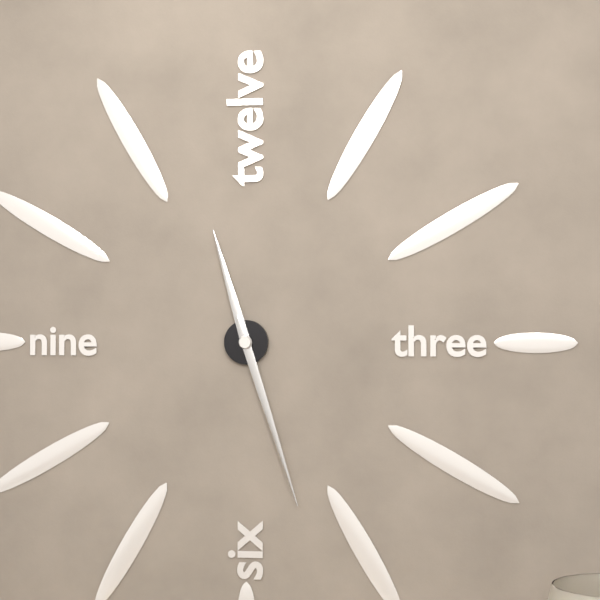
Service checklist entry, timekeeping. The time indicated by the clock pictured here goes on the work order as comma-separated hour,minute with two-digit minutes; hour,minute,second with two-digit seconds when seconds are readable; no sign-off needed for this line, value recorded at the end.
11,27
